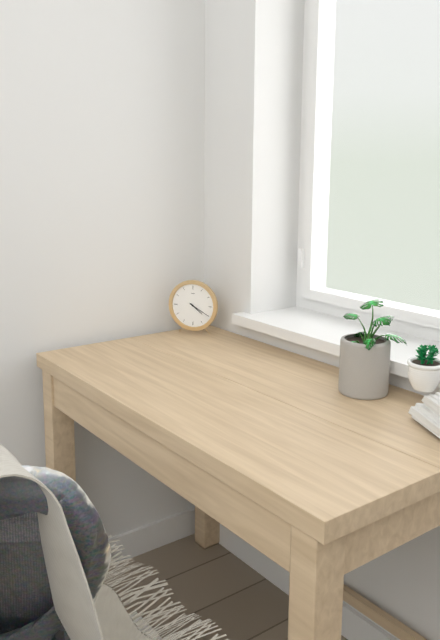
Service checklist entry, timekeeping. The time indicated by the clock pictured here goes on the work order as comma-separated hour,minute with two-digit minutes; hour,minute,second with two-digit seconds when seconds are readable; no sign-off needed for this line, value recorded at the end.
4,20
